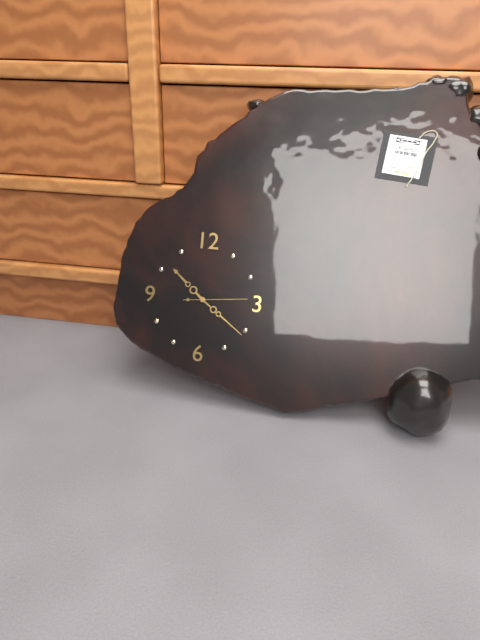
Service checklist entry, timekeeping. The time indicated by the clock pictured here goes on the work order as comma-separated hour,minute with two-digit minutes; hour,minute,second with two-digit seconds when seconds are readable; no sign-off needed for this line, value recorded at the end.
10,21,14
